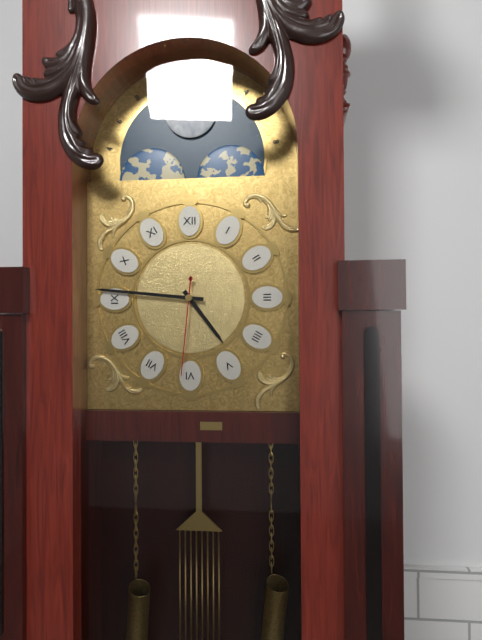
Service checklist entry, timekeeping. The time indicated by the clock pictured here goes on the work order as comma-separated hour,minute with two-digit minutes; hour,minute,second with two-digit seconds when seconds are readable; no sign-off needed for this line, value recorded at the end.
4,46,31
